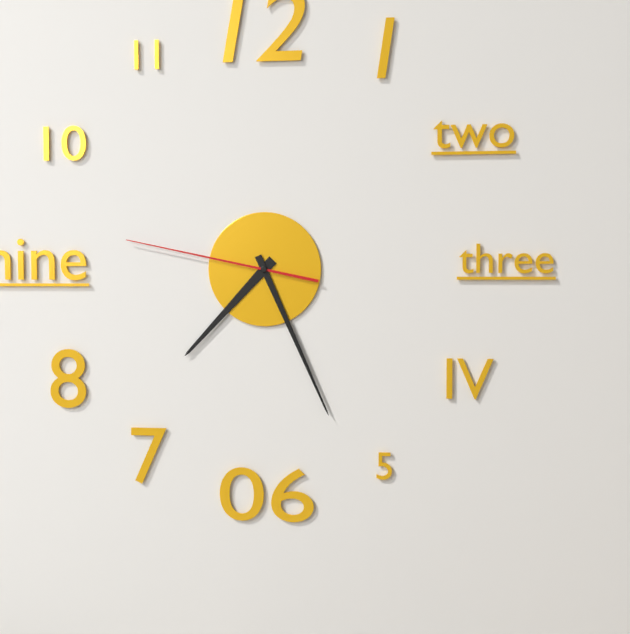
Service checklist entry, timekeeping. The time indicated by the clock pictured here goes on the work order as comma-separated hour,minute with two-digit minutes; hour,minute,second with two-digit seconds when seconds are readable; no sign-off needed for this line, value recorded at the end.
7,26,47
